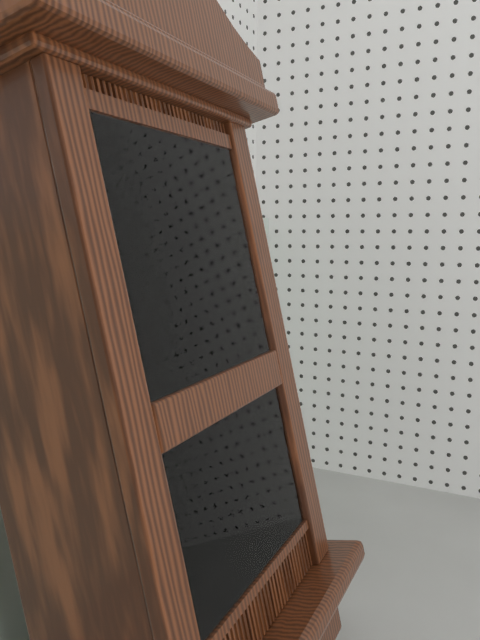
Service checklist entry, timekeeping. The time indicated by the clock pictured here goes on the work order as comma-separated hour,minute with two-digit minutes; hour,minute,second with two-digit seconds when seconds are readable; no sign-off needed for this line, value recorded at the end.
2,39
